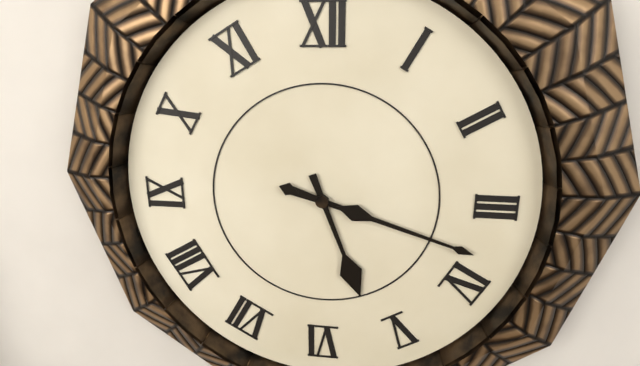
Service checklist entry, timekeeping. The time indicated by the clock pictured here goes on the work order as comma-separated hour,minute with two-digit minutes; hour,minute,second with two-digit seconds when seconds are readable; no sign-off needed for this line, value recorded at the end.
5,18
